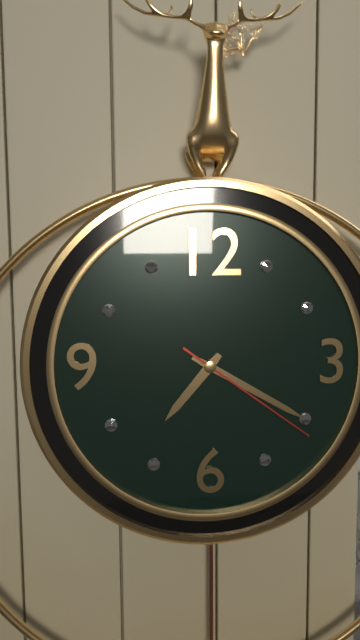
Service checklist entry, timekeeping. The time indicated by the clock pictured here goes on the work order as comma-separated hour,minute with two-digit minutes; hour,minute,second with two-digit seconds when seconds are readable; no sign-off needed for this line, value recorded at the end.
7,20,21
